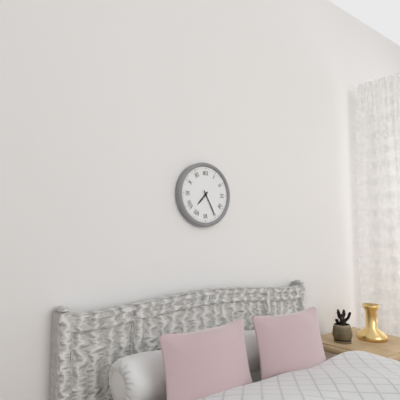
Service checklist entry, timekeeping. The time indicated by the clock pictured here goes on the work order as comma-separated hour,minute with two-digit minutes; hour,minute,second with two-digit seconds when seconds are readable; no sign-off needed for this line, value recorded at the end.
7,25
